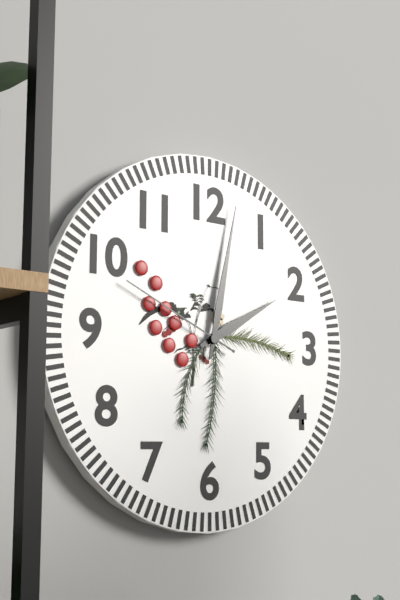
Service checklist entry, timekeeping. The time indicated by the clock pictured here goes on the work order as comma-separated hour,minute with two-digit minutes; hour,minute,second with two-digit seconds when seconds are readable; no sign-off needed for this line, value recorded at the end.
2,02,49
